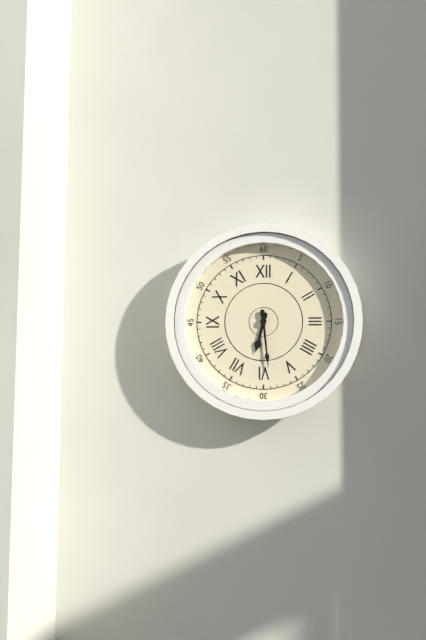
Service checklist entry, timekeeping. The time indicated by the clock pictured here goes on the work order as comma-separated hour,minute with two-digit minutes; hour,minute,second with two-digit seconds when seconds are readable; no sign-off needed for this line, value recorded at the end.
6,29
